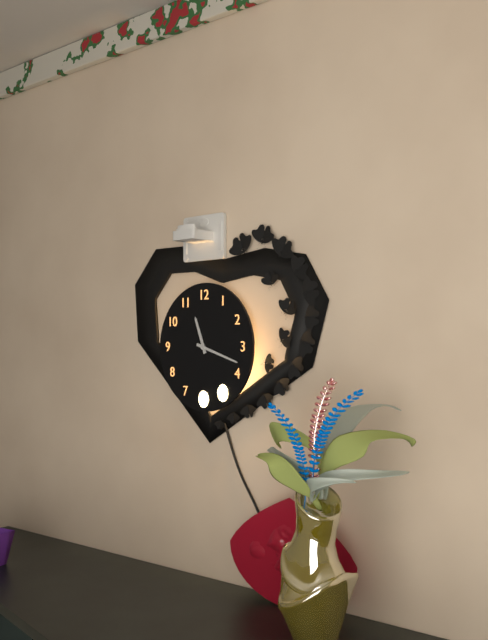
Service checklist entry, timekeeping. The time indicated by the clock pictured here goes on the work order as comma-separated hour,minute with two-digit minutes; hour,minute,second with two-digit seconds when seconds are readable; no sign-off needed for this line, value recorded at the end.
11,18
